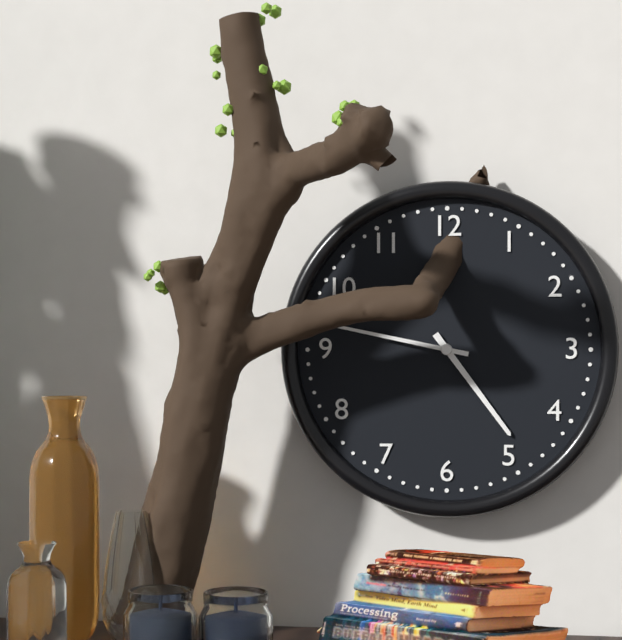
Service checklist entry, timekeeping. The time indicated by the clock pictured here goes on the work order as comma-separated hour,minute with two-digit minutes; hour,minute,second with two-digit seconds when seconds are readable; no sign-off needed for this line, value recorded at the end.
4,47
